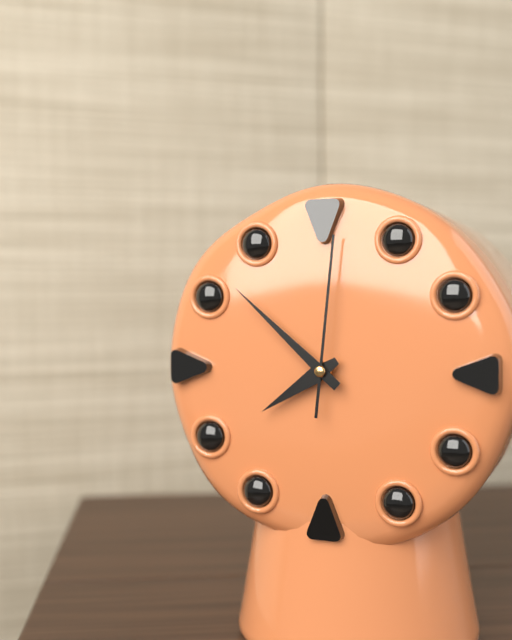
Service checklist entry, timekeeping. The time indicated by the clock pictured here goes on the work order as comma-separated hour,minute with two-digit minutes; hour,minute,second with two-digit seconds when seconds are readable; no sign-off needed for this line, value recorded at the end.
7,52,01
